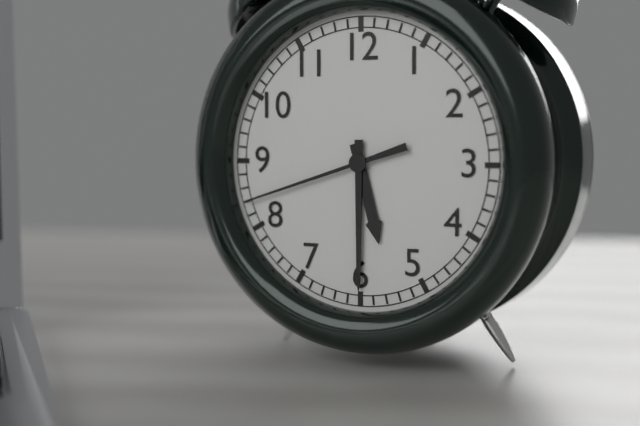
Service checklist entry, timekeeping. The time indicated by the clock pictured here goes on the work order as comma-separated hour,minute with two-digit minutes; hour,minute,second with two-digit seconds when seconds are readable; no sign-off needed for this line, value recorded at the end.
5,30,42
